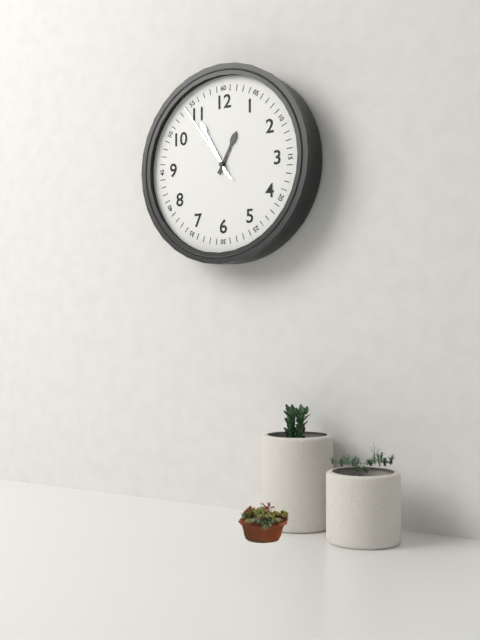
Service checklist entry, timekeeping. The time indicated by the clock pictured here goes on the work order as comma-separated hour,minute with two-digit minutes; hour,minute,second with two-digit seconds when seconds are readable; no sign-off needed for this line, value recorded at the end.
12,55,54
